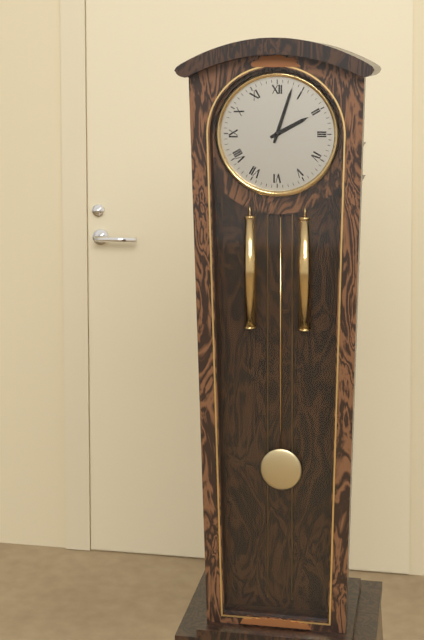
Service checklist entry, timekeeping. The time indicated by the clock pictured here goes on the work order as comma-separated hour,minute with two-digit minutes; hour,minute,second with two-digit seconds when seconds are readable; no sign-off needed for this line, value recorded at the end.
2,03
